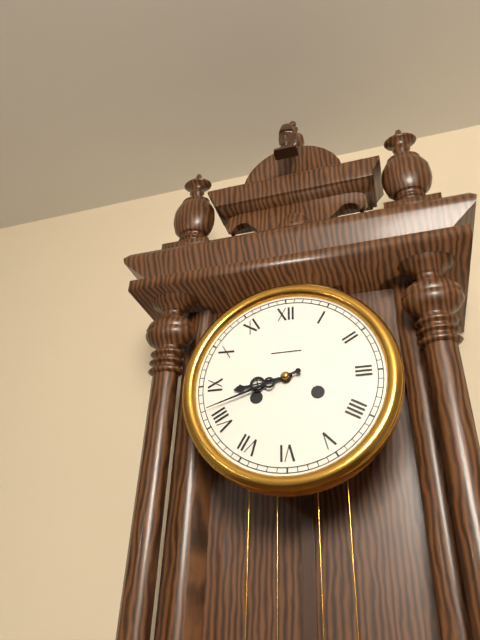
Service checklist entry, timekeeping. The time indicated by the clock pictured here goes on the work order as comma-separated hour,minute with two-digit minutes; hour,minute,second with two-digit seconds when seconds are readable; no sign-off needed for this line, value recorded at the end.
8,42
